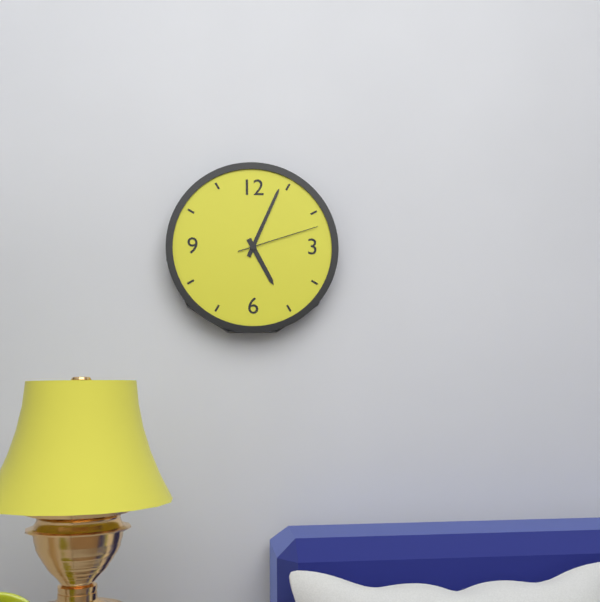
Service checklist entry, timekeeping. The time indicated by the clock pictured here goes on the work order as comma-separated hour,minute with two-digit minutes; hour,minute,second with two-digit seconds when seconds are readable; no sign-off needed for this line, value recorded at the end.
5,04,12
